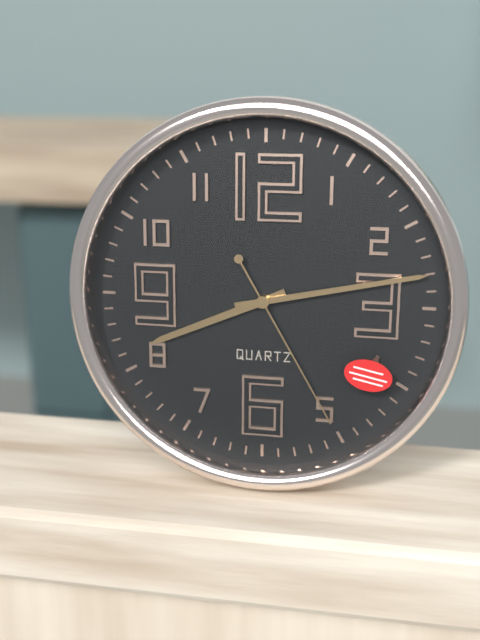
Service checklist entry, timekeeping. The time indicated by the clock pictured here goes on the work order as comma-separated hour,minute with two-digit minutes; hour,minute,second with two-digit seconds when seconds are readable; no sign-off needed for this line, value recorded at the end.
8,13,25
